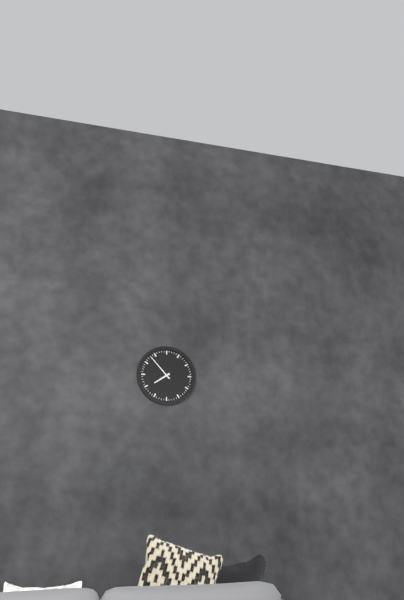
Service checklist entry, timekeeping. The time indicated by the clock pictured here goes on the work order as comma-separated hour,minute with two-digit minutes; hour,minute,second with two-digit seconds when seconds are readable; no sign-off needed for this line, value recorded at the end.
7,53
